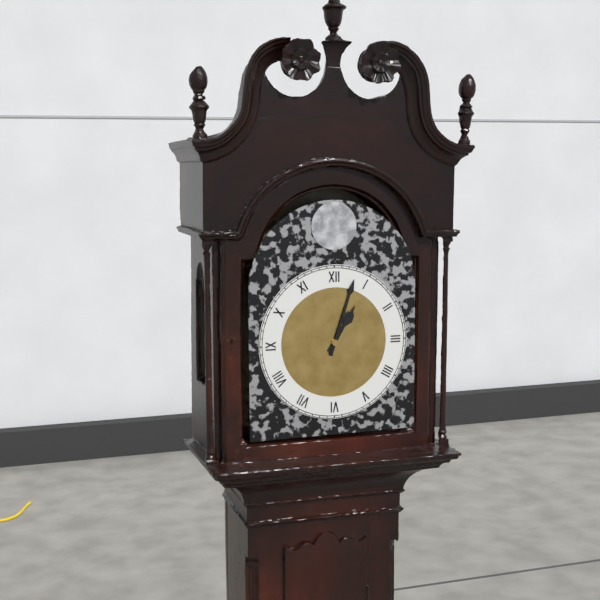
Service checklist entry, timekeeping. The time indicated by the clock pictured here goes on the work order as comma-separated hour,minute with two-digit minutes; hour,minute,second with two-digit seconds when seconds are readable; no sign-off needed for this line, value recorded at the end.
1,03
